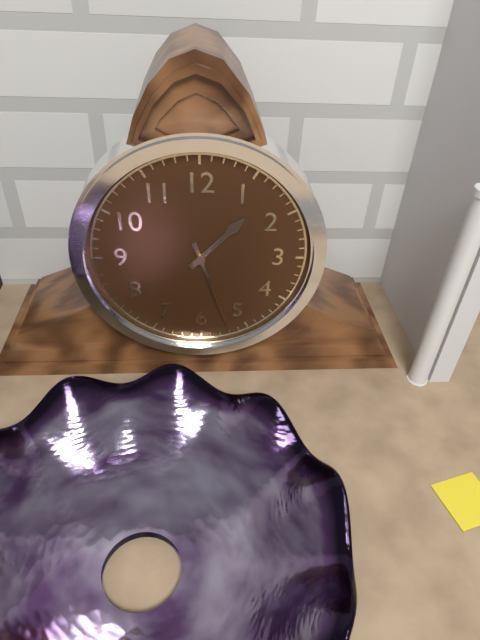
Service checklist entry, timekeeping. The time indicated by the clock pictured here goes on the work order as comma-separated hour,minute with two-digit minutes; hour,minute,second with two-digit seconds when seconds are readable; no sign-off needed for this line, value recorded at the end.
1,27
